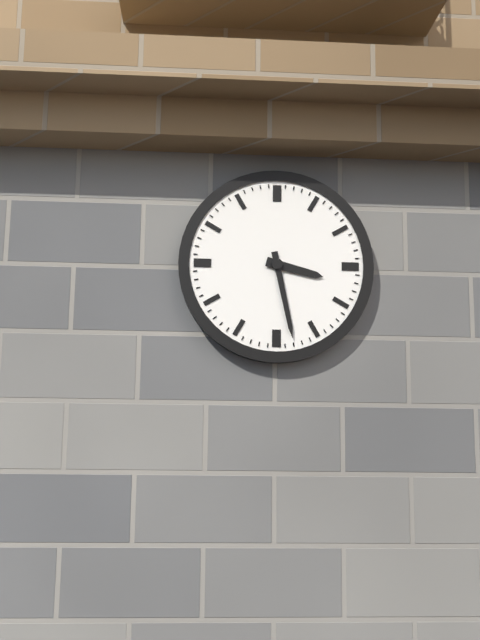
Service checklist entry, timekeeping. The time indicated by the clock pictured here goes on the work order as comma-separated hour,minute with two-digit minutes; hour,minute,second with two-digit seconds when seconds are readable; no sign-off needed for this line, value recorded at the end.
3,28
